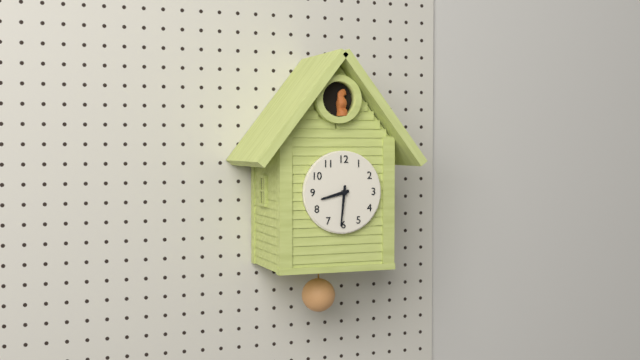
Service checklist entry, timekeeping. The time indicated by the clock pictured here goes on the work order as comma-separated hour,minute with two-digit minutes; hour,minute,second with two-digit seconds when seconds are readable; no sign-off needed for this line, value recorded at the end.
8,31
